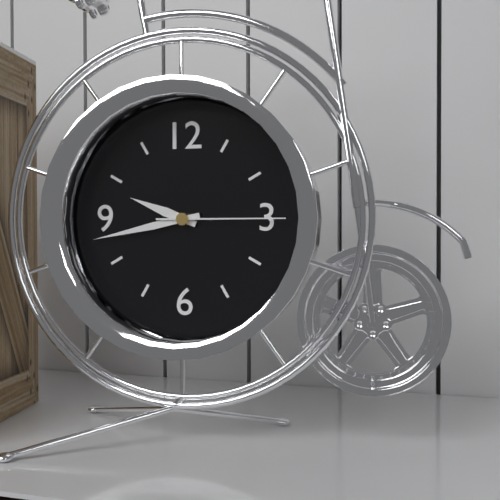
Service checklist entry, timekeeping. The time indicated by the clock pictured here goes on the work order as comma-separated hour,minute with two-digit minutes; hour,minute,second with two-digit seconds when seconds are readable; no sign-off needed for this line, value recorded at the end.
9,43,15
